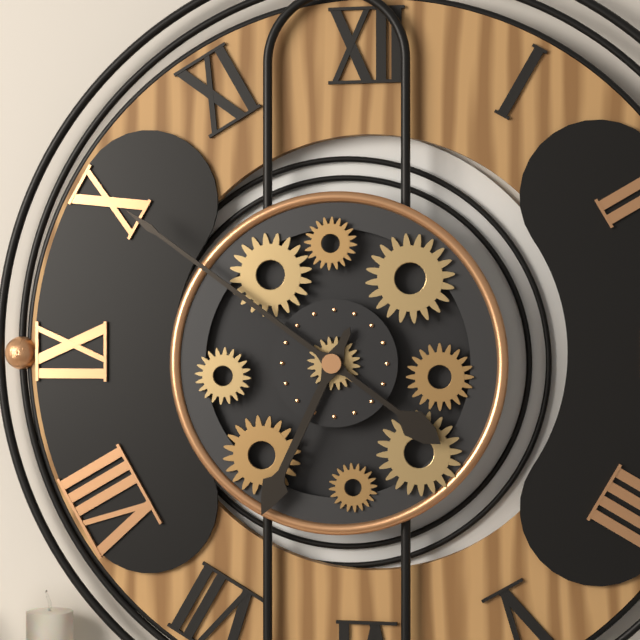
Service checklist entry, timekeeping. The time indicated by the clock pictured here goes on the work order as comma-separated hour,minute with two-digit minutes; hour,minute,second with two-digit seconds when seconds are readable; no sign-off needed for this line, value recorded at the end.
6,51
